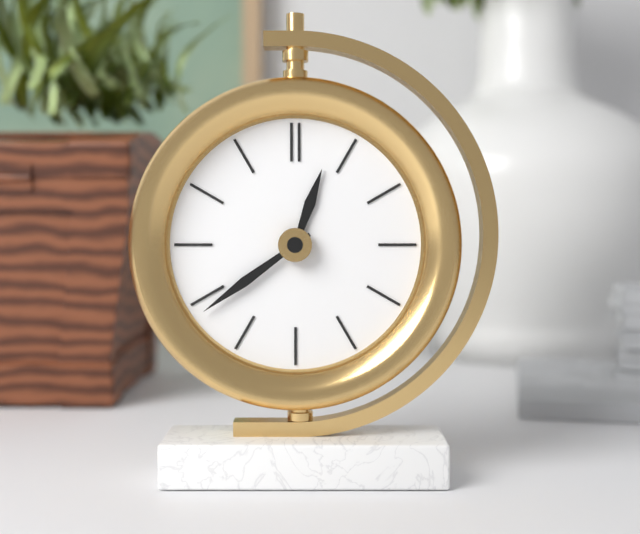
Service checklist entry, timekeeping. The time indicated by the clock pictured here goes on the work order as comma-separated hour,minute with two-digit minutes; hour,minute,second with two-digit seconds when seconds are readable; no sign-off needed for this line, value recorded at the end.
12,39
